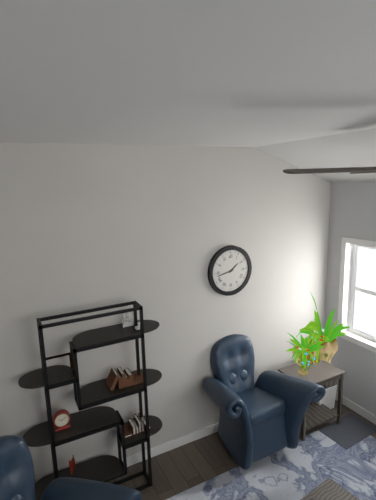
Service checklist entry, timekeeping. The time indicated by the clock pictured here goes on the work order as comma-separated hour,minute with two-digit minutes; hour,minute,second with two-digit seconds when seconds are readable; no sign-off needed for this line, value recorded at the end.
1,43
